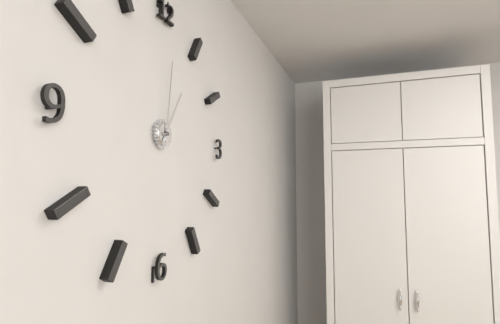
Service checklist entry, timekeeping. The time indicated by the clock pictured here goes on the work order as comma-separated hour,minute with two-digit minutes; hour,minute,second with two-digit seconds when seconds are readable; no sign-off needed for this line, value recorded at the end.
1,01
